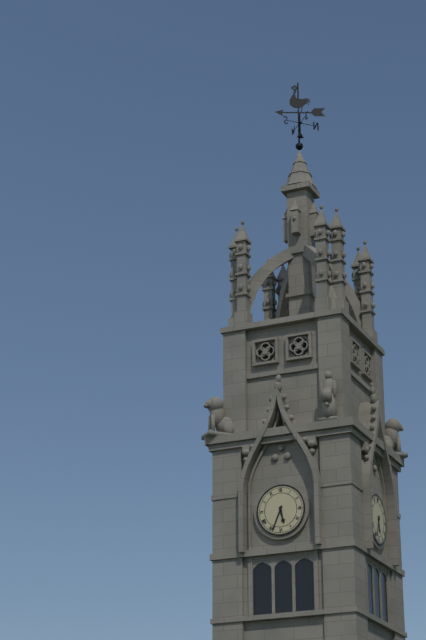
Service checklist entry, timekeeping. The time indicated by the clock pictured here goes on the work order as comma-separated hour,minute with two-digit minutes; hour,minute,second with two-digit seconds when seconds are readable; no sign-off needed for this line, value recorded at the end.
5,34
